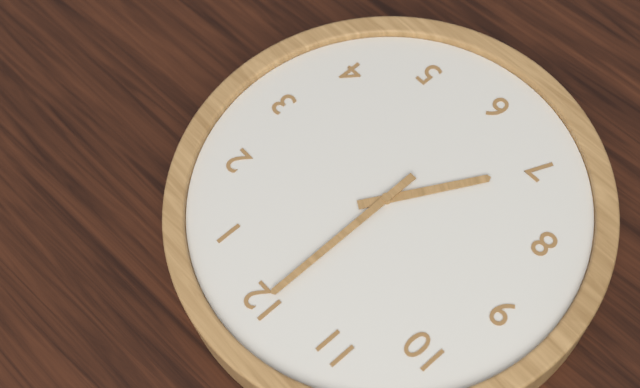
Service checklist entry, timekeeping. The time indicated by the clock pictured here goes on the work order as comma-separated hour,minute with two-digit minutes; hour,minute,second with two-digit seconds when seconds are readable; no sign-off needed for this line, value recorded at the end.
7,00
